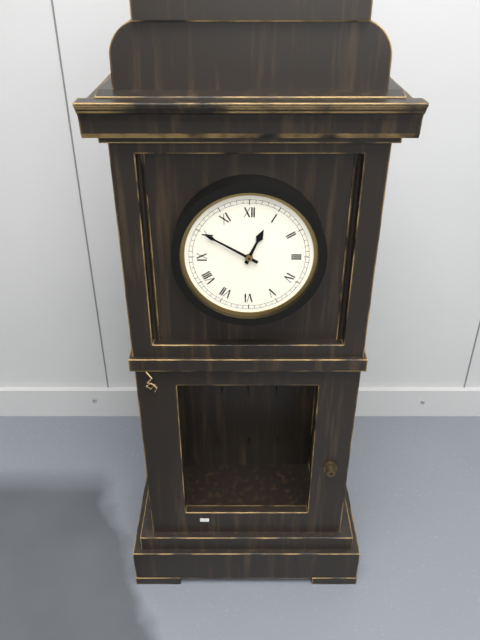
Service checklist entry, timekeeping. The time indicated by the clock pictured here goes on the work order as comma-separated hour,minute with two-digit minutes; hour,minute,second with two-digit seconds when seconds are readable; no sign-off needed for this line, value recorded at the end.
12,50
